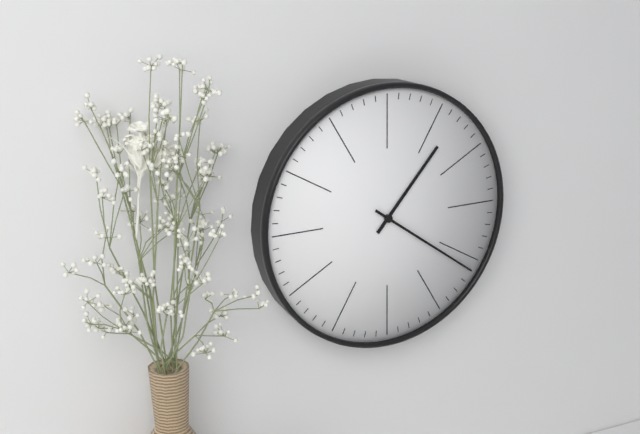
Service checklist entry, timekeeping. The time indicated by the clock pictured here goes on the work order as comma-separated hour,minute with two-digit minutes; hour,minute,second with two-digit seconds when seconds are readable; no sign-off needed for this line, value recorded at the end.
1,21
